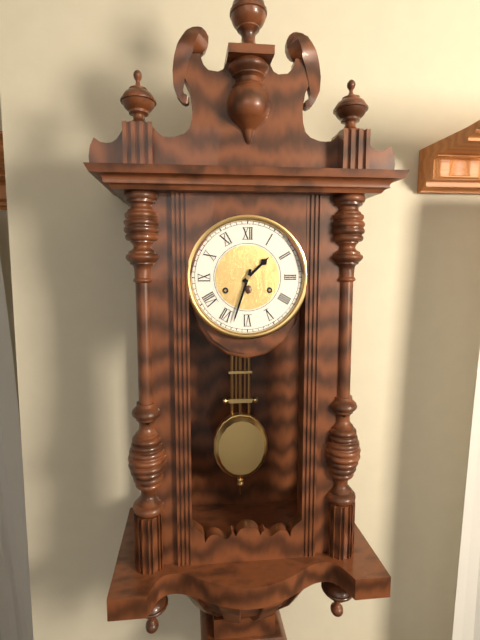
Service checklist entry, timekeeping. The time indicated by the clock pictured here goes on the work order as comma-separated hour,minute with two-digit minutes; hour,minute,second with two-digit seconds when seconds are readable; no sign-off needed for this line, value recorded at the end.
1,33
